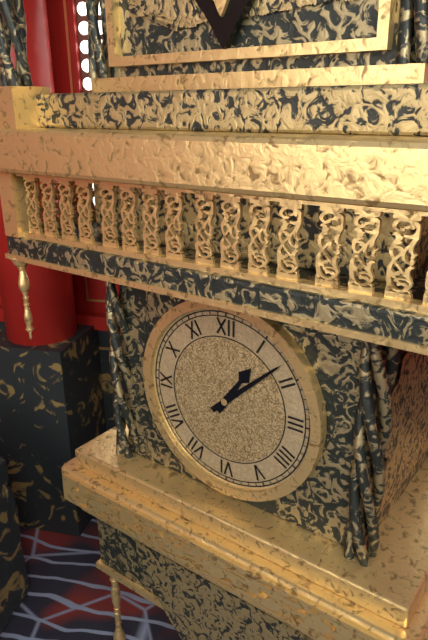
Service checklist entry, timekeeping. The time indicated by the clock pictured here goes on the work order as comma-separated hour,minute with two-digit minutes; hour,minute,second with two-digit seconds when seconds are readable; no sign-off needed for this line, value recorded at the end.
1,08
